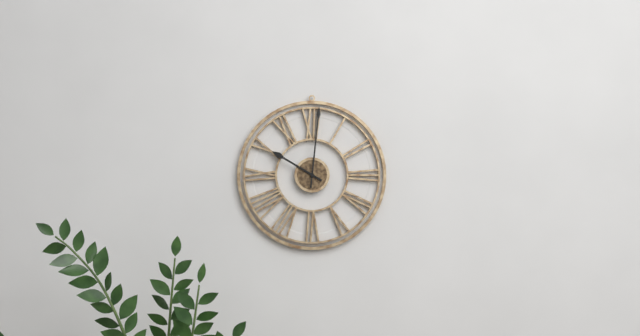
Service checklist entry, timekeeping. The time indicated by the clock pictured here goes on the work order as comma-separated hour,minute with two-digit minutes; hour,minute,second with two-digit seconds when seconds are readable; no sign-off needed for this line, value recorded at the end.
10,01
